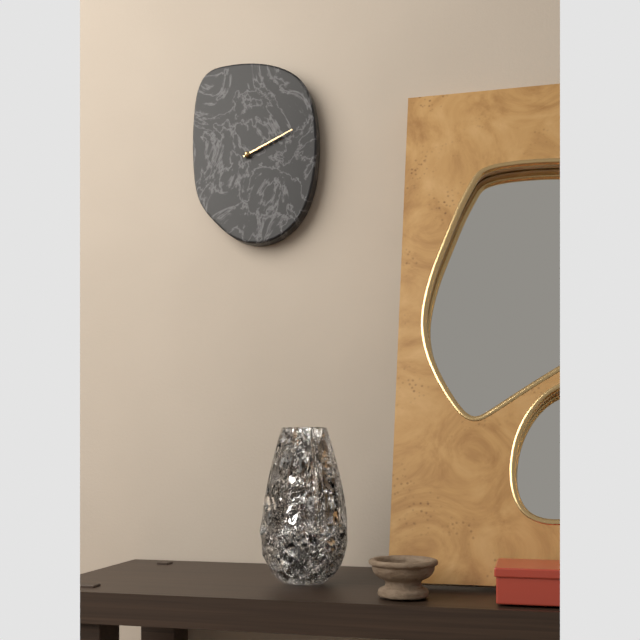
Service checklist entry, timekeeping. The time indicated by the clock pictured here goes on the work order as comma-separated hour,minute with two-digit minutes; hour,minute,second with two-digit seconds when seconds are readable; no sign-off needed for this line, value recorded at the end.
2,11
